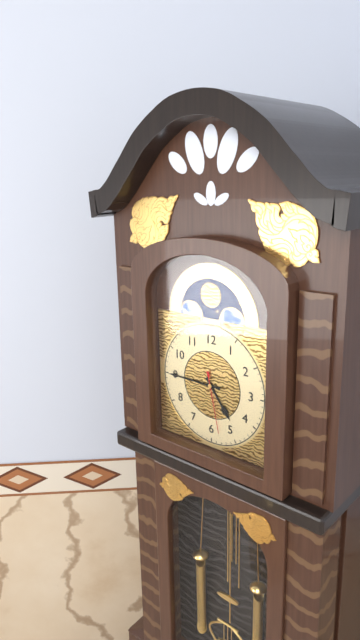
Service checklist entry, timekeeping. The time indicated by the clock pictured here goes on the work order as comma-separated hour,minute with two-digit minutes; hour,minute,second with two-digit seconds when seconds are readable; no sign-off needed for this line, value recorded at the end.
4,45,28
